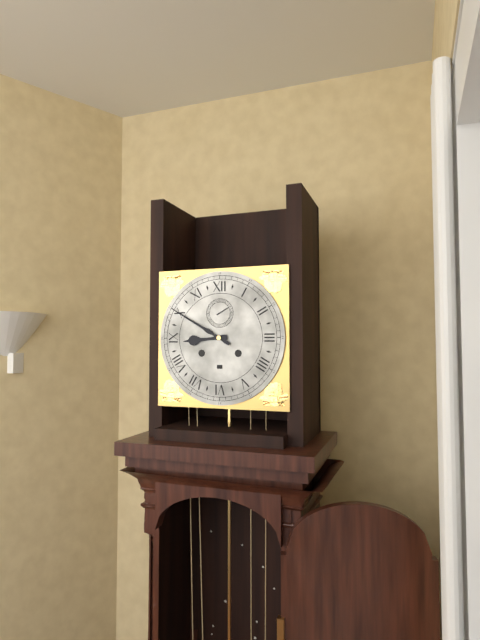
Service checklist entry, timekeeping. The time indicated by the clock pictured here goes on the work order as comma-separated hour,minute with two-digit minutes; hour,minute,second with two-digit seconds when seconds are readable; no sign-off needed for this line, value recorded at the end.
8,50
